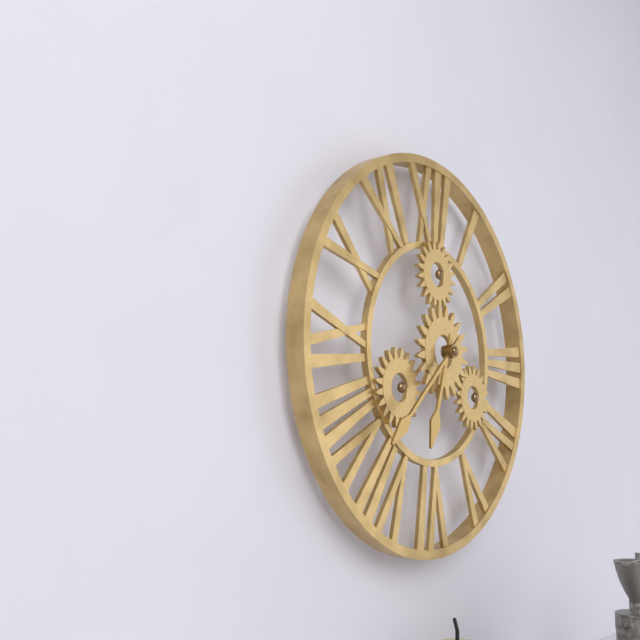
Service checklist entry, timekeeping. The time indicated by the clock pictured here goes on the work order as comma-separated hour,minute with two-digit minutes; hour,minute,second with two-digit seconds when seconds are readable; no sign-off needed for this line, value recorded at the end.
6,38
